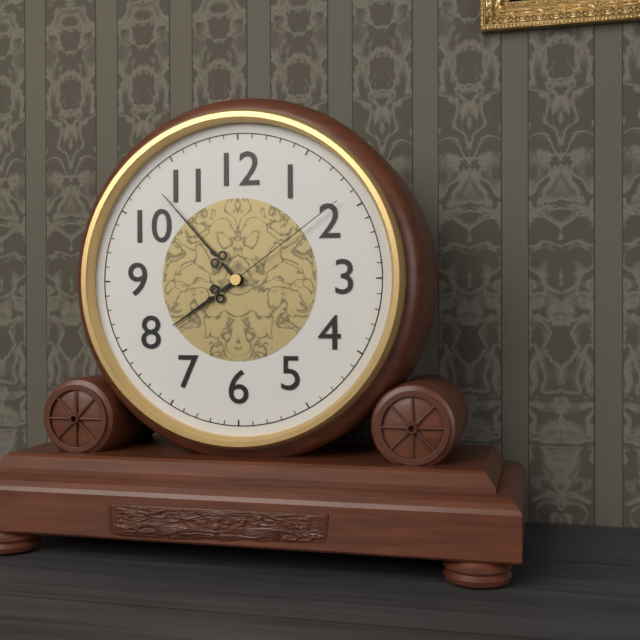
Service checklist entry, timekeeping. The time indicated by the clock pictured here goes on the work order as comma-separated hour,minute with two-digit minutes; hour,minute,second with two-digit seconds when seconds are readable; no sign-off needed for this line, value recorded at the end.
7,53,09
